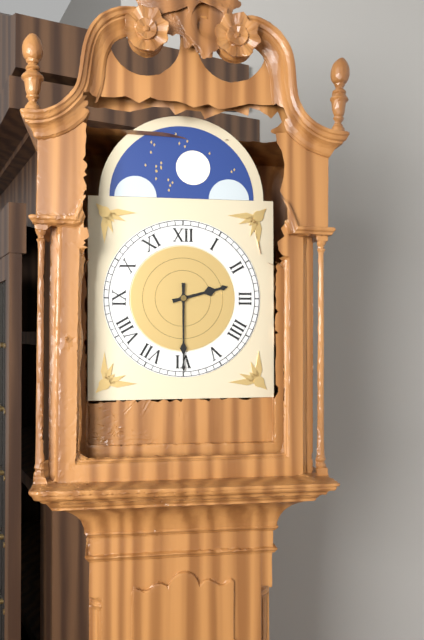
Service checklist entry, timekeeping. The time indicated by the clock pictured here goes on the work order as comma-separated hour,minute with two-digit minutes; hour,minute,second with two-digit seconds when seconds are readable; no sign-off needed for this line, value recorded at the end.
2,30
